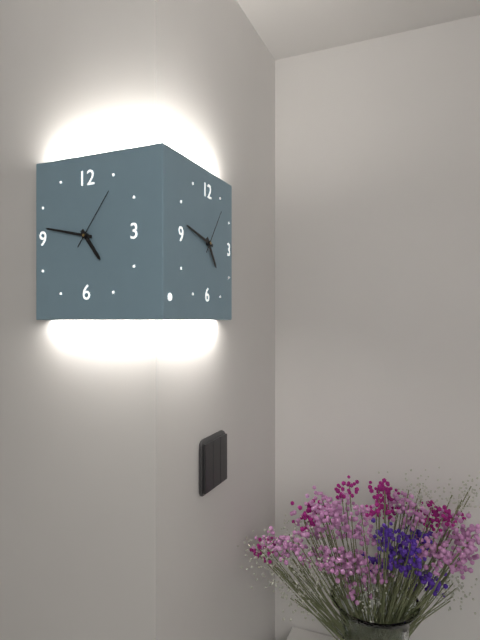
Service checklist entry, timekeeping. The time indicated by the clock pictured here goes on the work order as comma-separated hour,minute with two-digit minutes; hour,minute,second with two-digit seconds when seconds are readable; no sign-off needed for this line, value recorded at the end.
4,47,06
